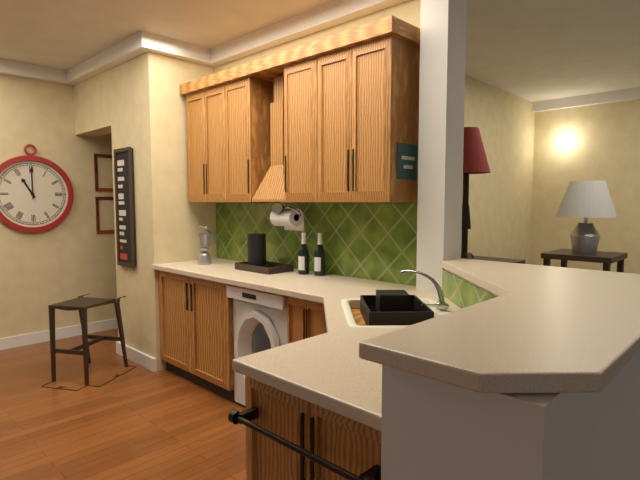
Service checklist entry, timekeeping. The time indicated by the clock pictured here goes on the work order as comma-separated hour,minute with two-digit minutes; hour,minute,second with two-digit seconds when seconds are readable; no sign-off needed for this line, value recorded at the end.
11,00
